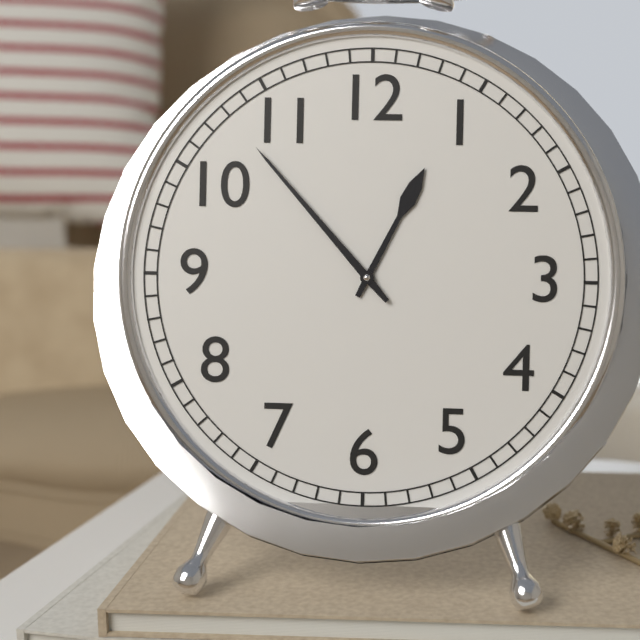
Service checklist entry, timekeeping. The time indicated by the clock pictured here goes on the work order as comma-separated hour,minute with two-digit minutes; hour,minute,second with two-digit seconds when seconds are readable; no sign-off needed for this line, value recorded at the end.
12,53
